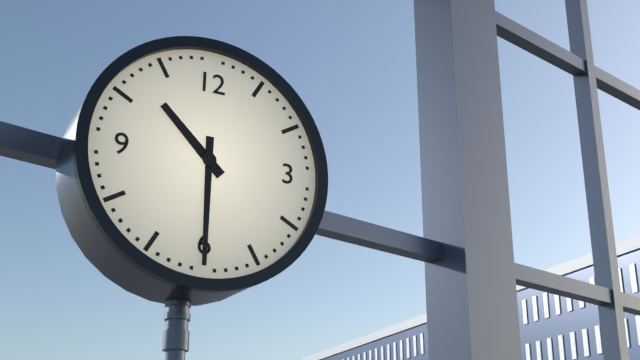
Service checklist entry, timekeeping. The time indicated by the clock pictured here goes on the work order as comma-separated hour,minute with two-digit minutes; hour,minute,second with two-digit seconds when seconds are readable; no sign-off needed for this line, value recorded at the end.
10,30
